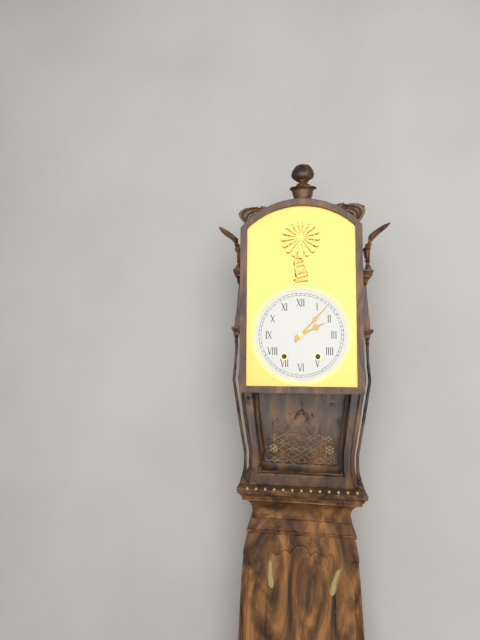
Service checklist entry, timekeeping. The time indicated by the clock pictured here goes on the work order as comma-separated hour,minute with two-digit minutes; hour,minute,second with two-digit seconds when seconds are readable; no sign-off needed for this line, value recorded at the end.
2,07
